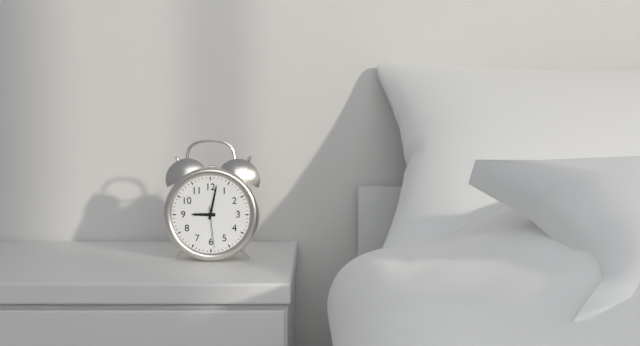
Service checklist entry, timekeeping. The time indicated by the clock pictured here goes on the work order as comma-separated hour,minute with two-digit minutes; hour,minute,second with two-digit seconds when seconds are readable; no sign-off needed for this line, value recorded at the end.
9,02
